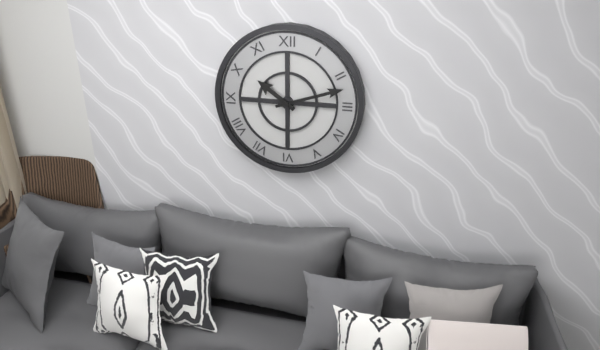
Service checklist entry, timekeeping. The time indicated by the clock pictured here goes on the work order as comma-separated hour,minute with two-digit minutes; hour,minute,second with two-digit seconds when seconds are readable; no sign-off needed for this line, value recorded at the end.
10,12
